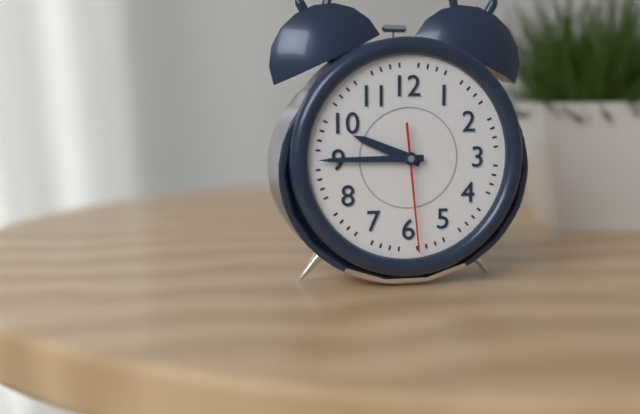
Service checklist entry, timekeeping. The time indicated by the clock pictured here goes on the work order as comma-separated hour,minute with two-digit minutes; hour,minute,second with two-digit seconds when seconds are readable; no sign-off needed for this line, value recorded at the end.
9,45,29
